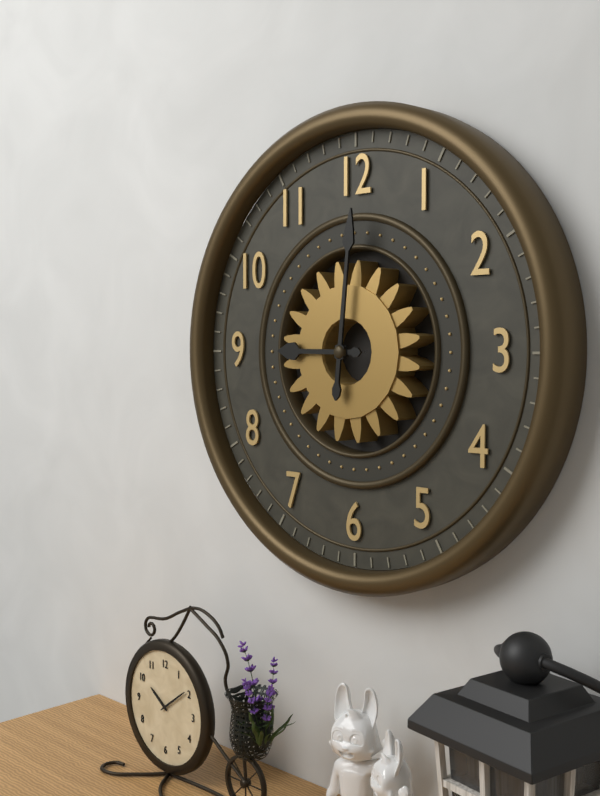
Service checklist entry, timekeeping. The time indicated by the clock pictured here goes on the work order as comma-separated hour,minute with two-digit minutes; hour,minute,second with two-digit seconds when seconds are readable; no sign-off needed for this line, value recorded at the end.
9,01
